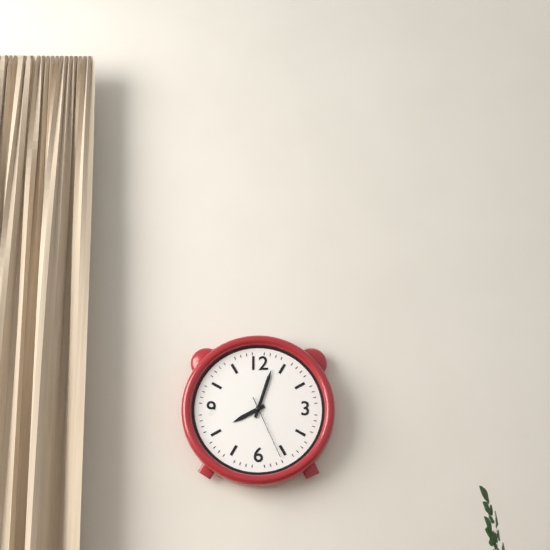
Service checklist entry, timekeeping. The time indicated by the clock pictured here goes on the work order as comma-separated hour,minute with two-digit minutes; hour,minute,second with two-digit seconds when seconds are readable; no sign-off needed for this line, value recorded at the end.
8,03,26
